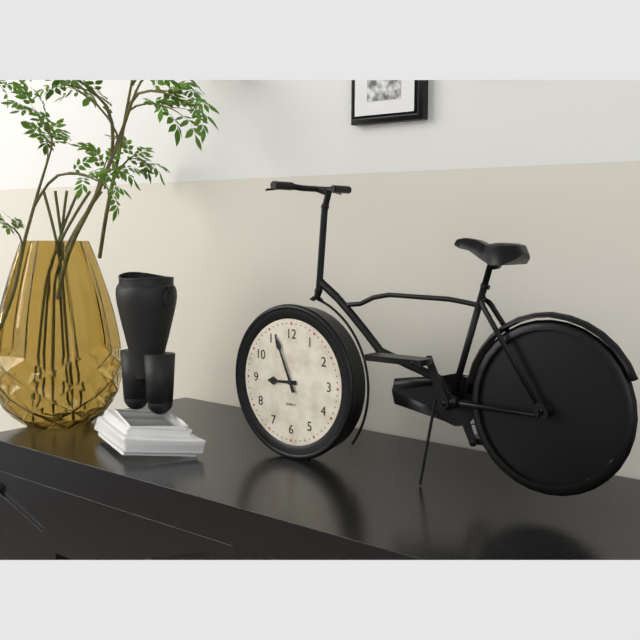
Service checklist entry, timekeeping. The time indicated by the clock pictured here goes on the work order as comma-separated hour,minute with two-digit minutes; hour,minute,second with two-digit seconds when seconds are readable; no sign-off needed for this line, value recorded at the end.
8,56
